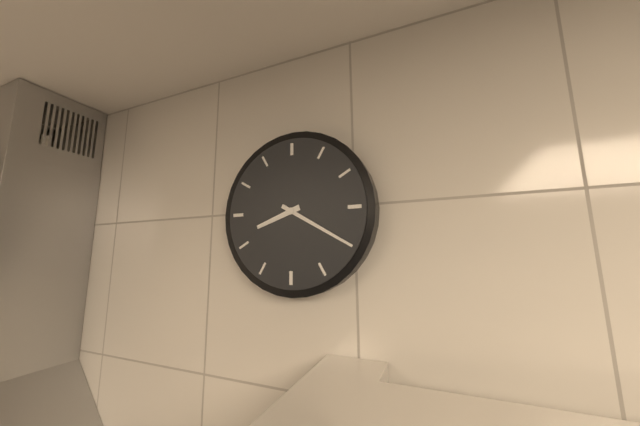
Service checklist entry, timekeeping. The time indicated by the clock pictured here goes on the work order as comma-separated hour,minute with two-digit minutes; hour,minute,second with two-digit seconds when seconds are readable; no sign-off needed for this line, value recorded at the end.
8,20
